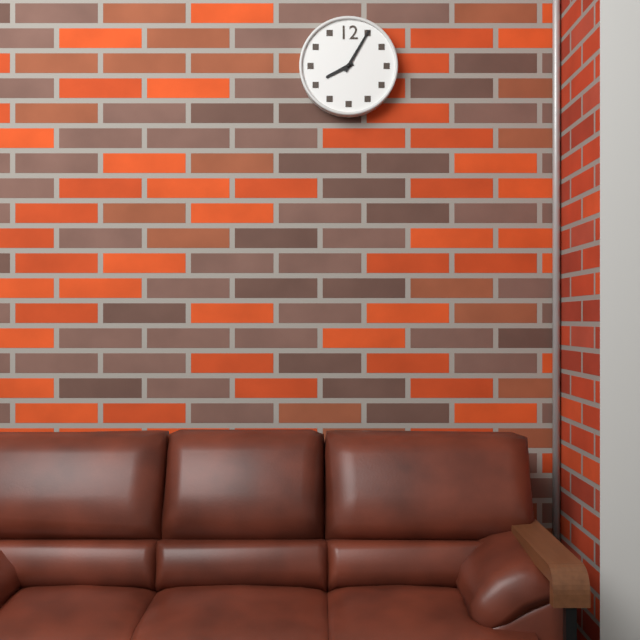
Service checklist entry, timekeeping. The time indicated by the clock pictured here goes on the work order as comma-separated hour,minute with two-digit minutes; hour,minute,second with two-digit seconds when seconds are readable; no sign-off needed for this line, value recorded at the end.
8,05
